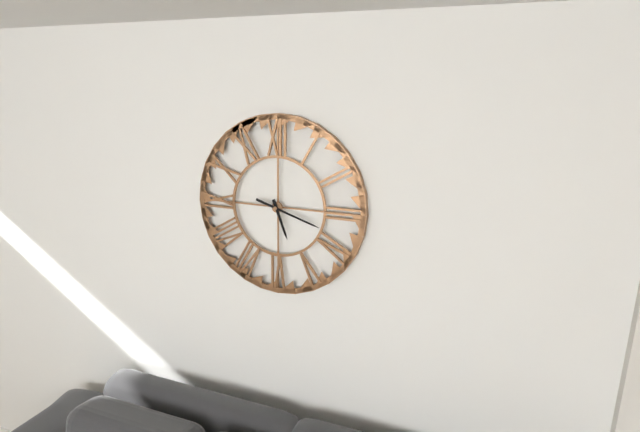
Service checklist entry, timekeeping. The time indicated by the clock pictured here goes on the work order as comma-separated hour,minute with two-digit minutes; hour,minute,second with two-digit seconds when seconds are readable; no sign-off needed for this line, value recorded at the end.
5,18
